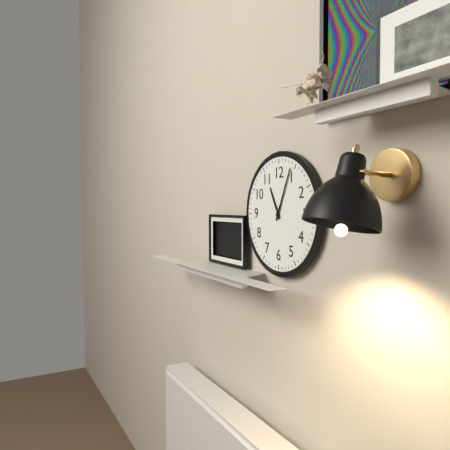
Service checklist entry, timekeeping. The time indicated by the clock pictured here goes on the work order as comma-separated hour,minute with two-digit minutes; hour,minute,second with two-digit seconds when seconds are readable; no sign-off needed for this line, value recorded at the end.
11,04
